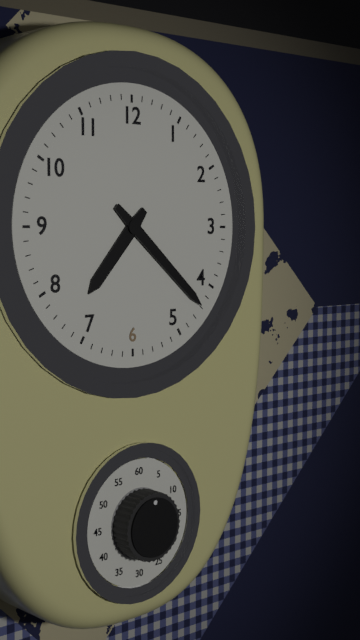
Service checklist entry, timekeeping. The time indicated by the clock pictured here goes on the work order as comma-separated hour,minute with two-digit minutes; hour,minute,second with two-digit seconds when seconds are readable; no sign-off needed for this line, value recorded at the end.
7,22
